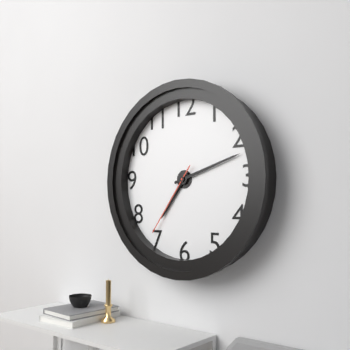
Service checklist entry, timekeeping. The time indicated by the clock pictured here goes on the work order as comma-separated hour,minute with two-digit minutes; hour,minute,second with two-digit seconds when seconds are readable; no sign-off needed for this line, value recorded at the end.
7,12,36
